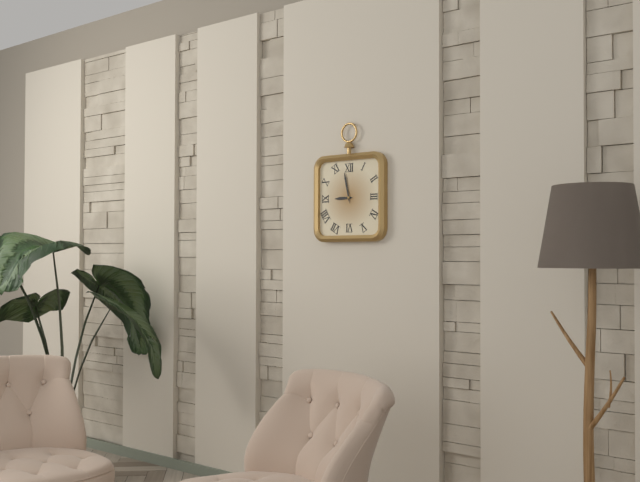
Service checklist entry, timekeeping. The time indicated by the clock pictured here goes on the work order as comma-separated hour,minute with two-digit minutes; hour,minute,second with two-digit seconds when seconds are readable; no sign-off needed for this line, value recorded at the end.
8,58
